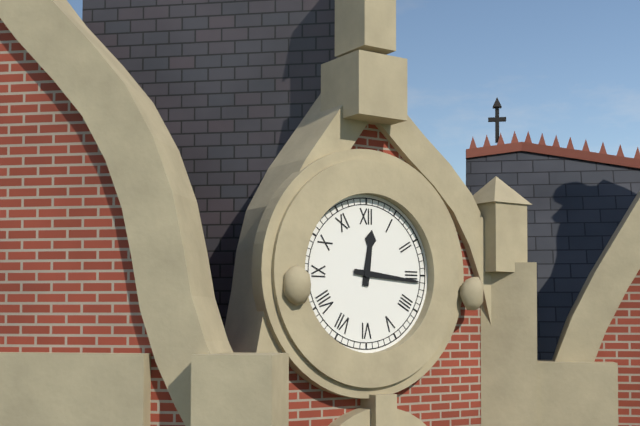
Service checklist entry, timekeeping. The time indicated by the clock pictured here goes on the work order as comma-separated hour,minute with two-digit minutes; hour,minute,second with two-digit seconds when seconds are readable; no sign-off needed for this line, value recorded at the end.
12,16
